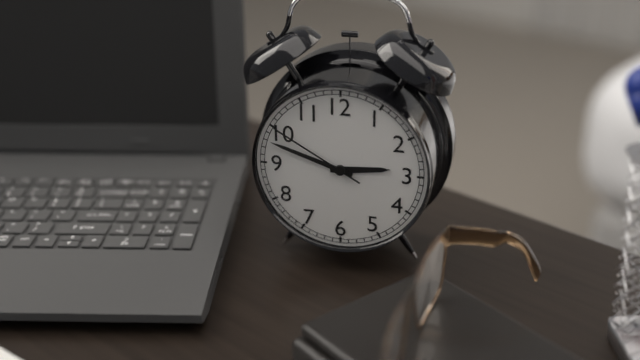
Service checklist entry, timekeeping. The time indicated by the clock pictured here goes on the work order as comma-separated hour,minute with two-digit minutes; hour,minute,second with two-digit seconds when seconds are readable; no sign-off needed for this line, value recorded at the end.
2,48,50
